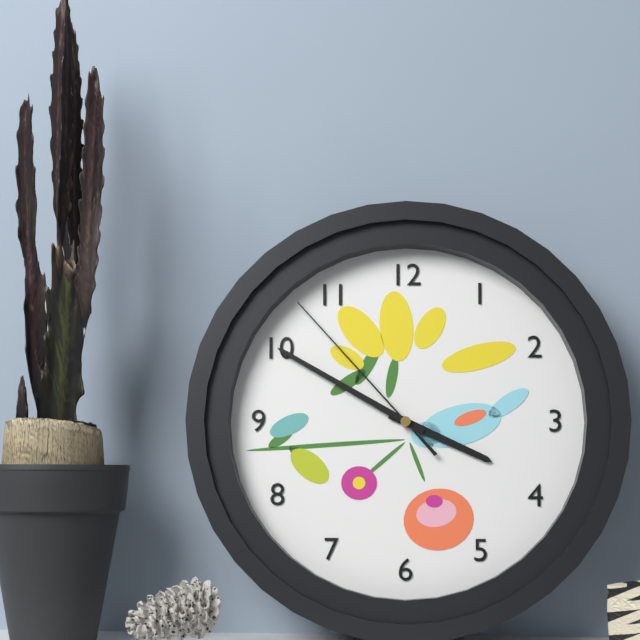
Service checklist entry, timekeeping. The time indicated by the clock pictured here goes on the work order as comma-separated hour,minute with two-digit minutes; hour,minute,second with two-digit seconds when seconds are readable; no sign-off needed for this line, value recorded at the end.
3,50,53
